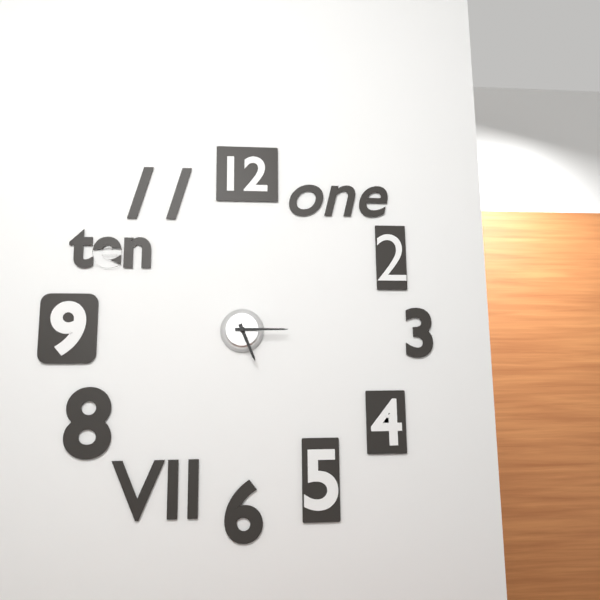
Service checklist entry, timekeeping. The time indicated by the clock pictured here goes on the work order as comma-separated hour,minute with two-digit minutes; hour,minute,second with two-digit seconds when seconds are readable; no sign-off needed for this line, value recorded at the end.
5,15
